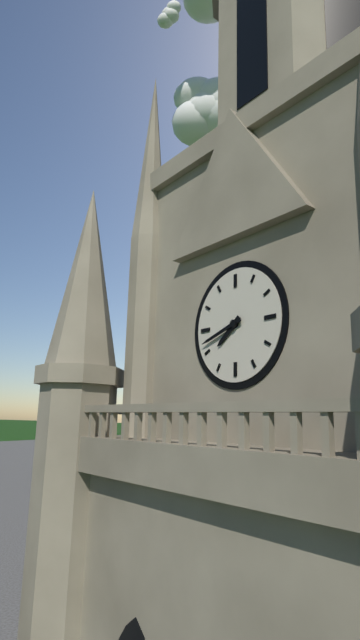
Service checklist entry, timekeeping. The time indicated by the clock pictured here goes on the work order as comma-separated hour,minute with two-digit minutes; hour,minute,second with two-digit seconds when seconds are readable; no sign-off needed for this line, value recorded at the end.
7,42
